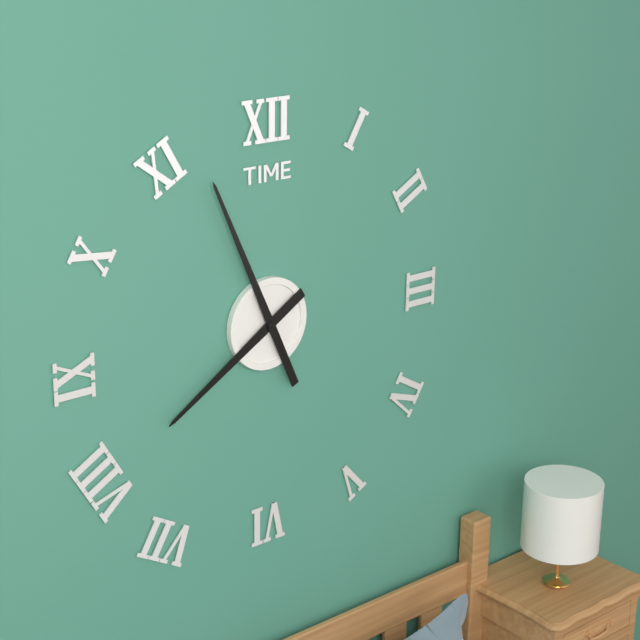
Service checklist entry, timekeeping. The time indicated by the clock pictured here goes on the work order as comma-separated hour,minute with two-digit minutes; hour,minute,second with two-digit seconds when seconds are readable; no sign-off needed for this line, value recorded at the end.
7,56
